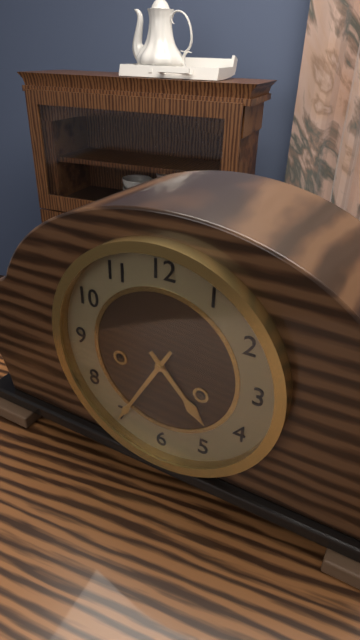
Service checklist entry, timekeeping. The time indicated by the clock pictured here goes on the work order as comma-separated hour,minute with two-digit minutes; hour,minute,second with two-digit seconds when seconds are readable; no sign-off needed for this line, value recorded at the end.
4,35
